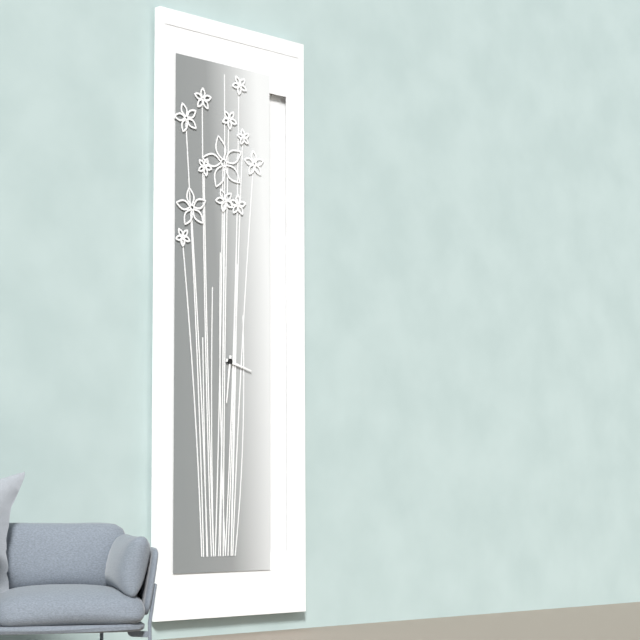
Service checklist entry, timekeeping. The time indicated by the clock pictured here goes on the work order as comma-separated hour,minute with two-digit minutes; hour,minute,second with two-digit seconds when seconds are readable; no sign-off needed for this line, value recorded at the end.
3,31
